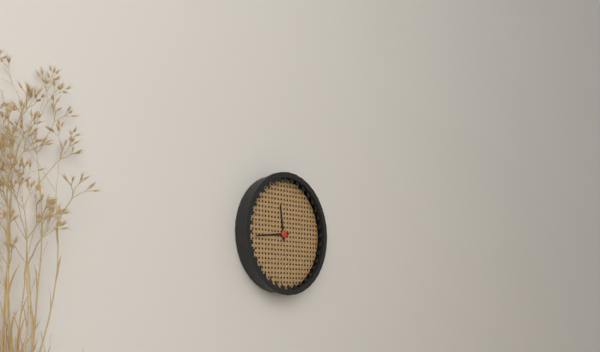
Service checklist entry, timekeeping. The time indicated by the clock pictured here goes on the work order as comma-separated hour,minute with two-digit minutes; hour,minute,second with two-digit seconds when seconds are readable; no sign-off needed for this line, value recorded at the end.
11,44
